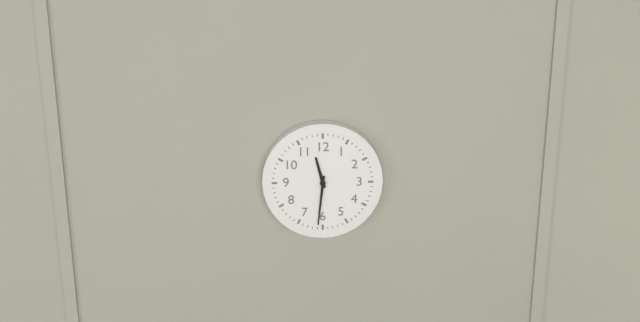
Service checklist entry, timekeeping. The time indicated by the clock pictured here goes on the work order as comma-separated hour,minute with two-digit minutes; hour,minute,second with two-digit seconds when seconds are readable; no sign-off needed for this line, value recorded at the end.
11,31
